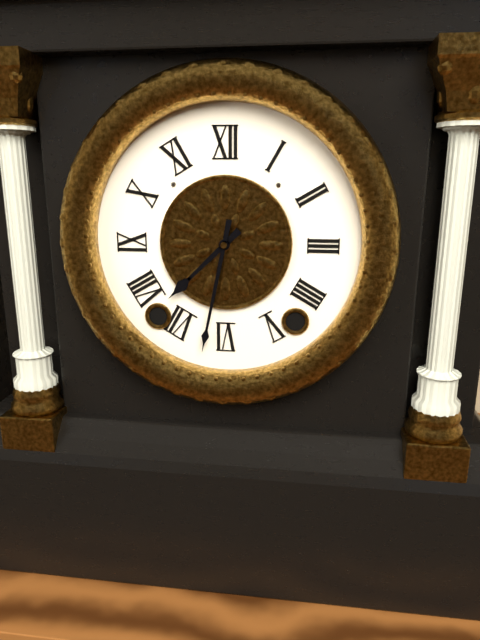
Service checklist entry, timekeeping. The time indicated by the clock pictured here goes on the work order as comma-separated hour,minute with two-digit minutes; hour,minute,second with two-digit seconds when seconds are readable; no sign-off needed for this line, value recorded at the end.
7,32
